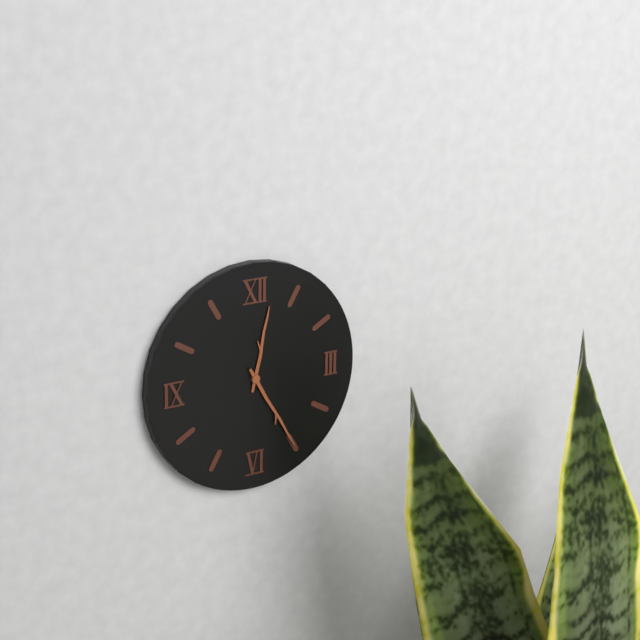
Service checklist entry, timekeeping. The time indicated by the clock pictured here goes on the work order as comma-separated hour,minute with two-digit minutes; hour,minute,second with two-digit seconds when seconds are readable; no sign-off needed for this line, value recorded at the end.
12,25
